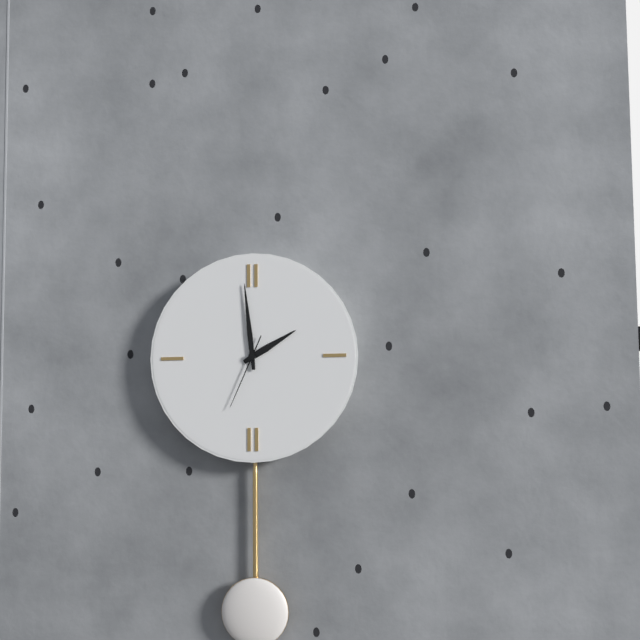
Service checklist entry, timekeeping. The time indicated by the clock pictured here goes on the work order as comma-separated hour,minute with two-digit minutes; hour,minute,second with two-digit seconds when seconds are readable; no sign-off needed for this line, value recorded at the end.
1,59,34
